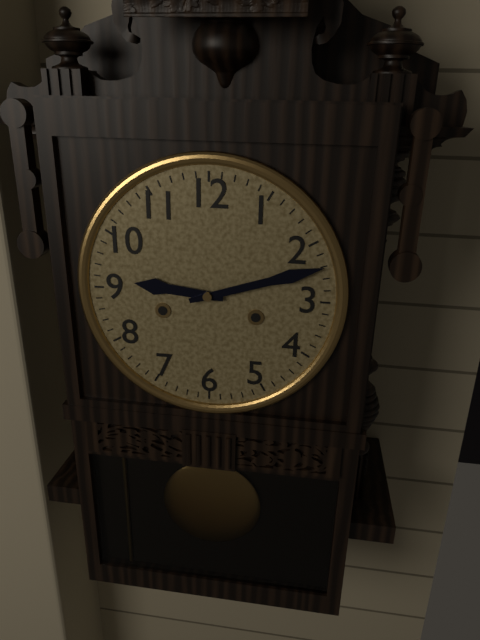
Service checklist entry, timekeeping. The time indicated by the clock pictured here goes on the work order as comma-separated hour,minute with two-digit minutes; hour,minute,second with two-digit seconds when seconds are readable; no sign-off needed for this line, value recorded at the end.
9,12
